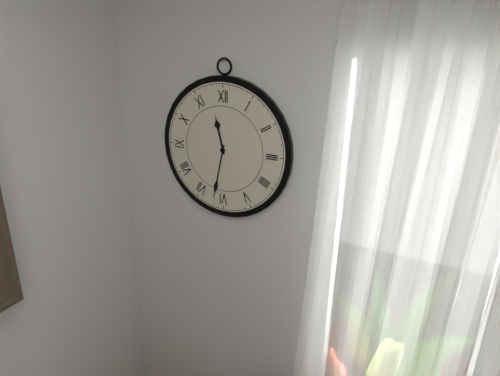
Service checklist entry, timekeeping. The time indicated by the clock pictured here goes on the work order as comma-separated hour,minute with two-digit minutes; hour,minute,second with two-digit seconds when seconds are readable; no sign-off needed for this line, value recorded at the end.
11,32
